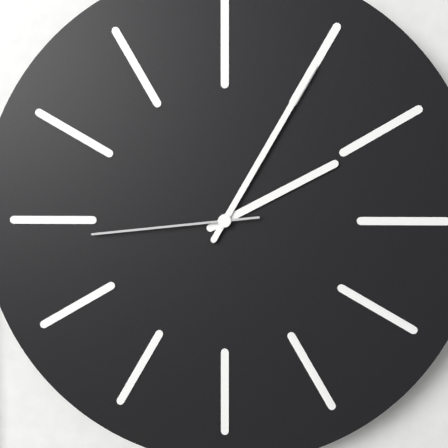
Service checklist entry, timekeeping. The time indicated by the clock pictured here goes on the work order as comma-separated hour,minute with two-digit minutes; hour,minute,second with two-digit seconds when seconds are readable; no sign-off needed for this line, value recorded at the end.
2,05,44
